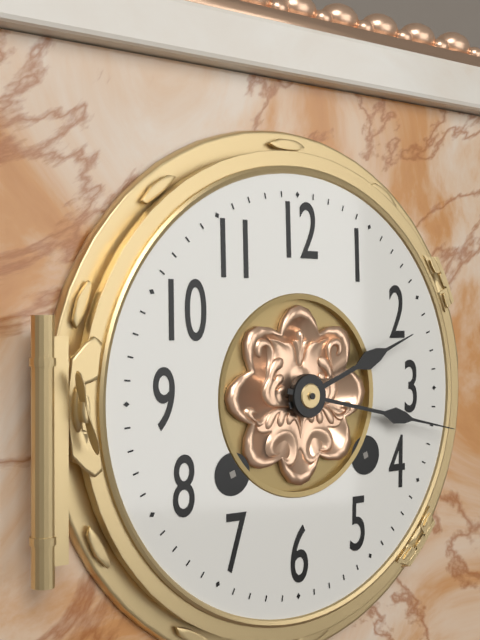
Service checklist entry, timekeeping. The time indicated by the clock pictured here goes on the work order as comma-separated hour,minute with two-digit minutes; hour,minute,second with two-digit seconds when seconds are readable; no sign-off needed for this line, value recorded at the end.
2,17
